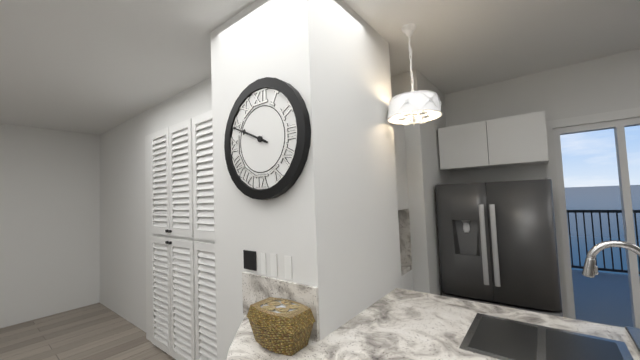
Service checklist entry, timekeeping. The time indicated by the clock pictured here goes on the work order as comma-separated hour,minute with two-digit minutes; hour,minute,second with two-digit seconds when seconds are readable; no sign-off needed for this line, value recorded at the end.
9,49
